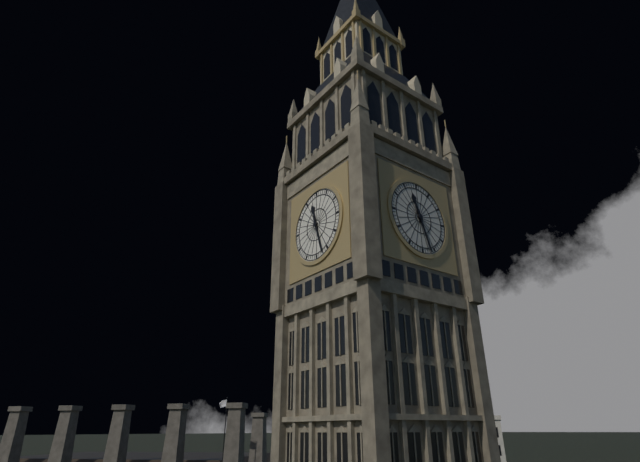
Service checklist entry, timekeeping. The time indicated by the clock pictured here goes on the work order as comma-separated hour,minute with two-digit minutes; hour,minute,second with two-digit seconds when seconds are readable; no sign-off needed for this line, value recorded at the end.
11,27
